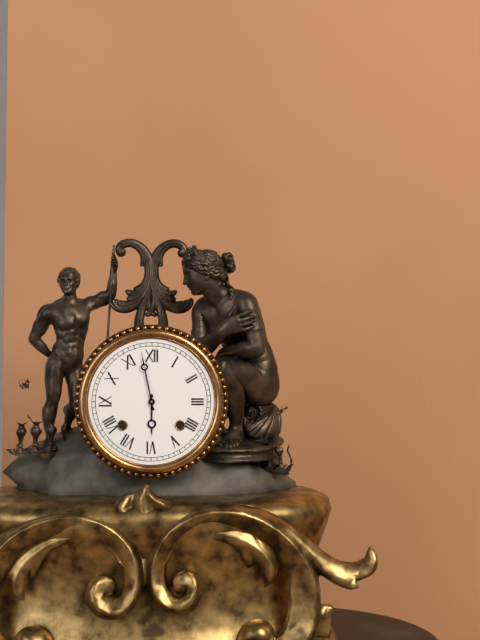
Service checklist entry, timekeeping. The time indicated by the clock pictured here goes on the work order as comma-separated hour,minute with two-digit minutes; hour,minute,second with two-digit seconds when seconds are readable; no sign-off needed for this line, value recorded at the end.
5,58
